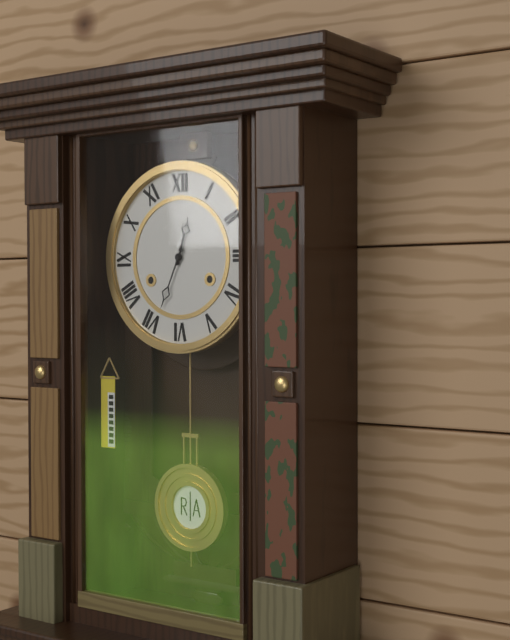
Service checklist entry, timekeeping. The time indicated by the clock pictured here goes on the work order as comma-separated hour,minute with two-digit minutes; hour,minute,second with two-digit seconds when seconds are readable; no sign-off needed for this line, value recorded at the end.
12,34
